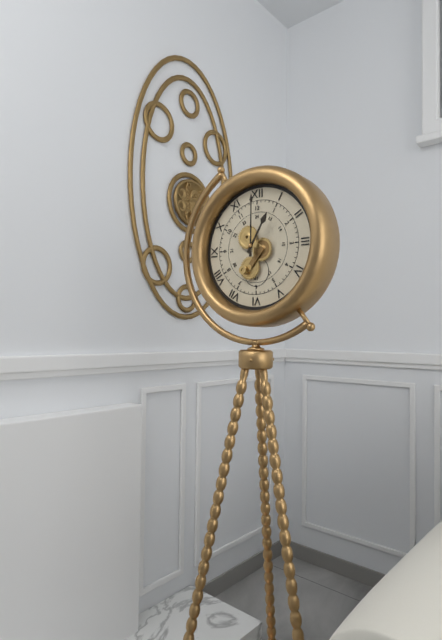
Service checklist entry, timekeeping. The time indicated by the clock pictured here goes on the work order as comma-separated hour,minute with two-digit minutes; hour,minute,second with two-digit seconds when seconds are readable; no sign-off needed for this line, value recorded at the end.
1,00
